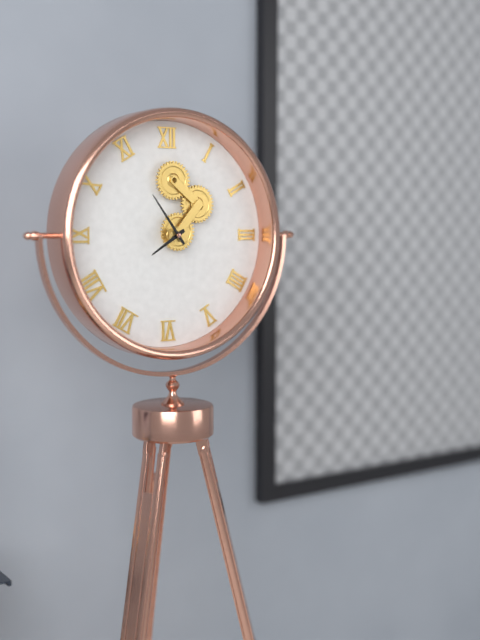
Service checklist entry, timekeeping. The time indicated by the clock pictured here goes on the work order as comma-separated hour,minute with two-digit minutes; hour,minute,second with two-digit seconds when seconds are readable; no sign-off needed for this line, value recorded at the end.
7,54
